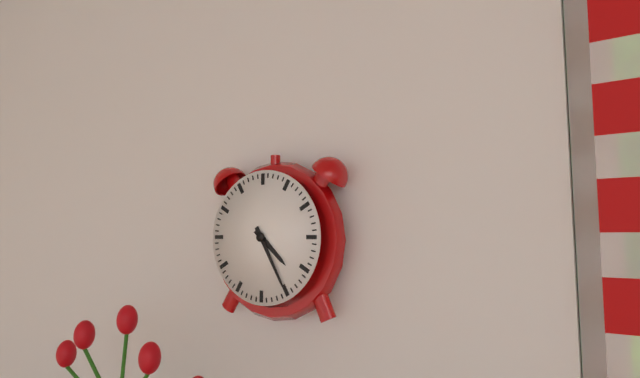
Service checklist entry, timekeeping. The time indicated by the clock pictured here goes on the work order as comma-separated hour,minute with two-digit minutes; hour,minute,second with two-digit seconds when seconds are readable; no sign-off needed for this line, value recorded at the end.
4,25
